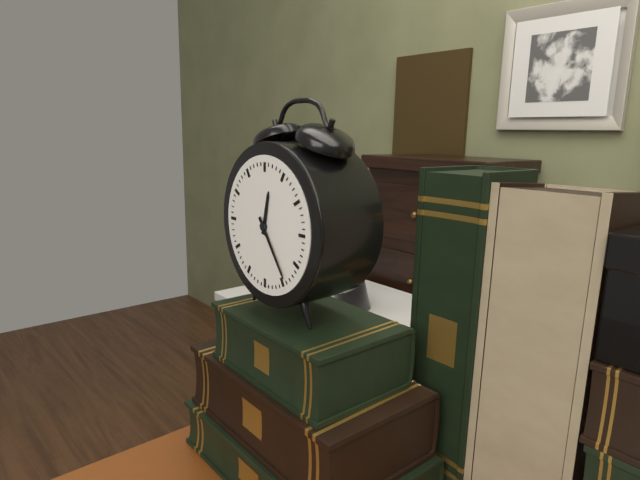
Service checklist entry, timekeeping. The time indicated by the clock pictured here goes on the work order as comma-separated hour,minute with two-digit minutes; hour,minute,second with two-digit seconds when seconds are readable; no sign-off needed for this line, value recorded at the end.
12,24
